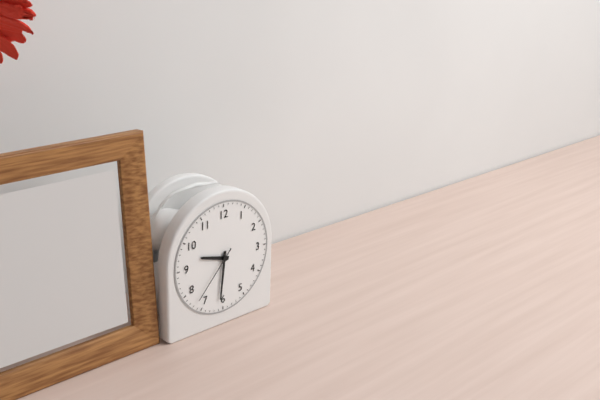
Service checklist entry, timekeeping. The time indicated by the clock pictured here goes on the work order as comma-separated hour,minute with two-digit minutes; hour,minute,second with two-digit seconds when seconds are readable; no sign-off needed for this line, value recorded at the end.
9,31,37
